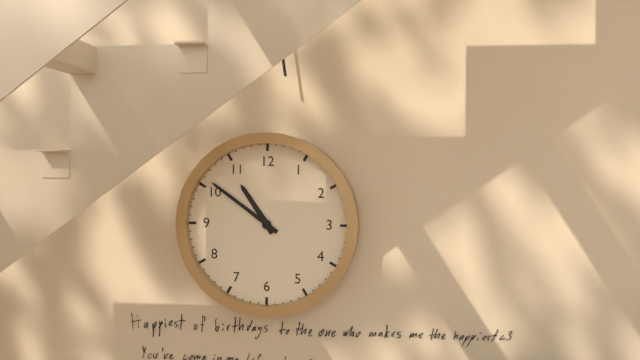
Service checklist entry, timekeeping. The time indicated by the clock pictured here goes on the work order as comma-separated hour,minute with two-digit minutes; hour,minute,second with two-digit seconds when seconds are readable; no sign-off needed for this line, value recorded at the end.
10,51
